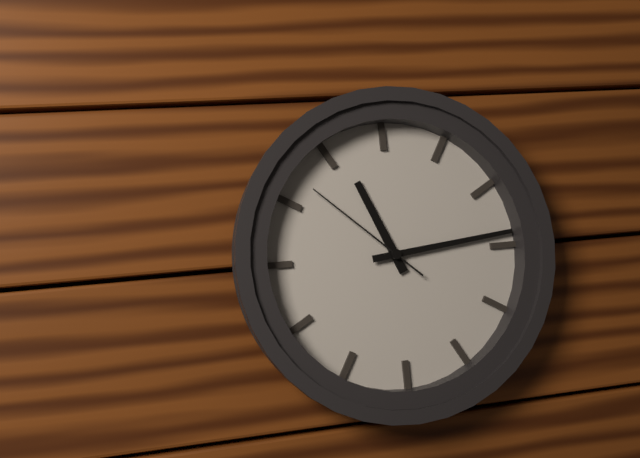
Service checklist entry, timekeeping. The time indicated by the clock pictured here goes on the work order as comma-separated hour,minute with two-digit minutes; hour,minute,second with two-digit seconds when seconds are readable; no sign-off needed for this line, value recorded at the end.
11,14,52
